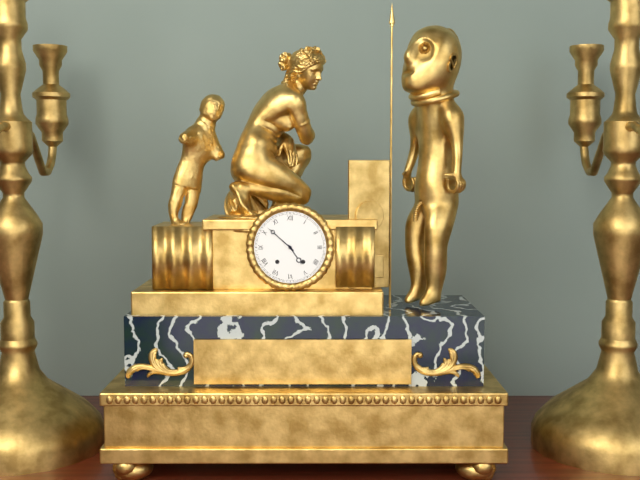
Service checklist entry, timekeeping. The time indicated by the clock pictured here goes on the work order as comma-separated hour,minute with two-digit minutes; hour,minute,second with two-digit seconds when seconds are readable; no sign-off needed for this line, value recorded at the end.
4,52
